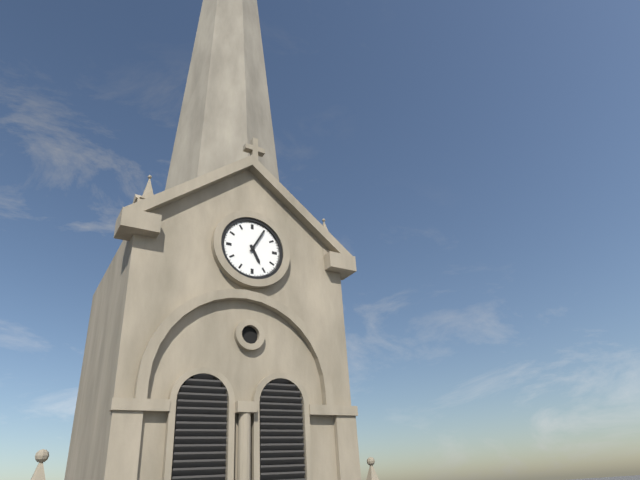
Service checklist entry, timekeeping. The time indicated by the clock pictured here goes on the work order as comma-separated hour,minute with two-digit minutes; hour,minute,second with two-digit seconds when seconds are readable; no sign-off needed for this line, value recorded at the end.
5,05
